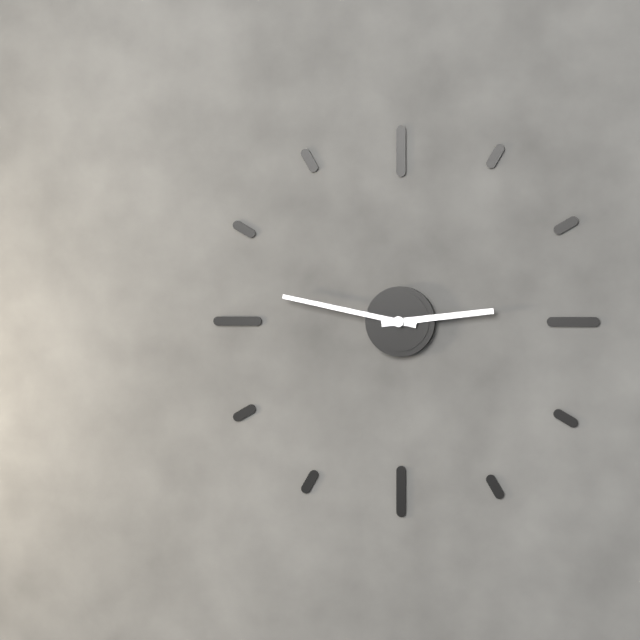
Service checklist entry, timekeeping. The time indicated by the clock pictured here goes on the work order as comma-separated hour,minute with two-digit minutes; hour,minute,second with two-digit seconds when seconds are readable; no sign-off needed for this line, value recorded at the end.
2,47
